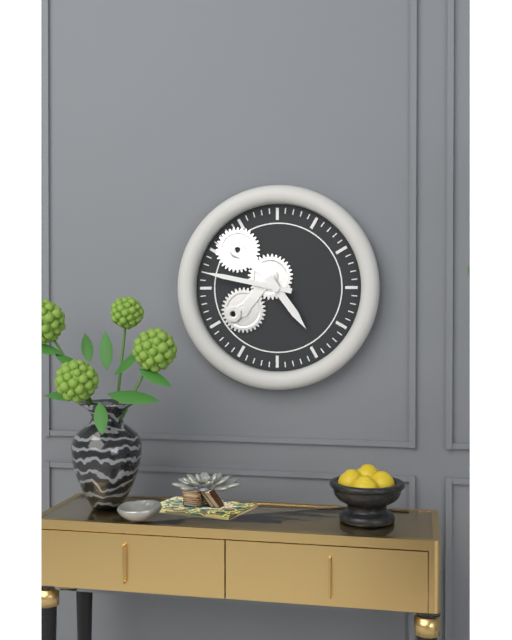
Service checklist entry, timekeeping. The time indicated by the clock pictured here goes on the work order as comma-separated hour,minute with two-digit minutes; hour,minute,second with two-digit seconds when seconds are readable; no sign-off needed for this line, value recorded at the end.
4,47
